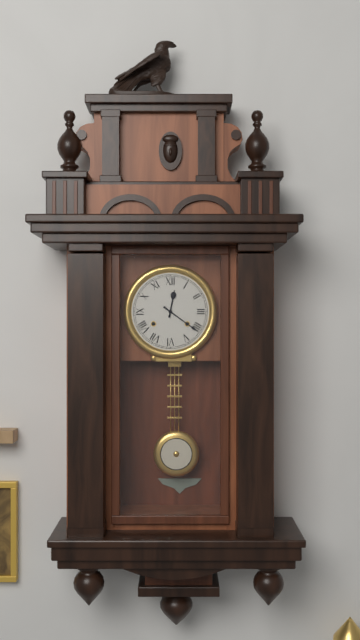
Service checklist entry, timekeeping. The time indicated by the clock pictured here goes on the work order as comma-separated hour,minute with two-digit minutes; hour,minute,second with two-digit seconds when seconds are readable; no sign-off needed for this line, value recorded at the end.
12,21
